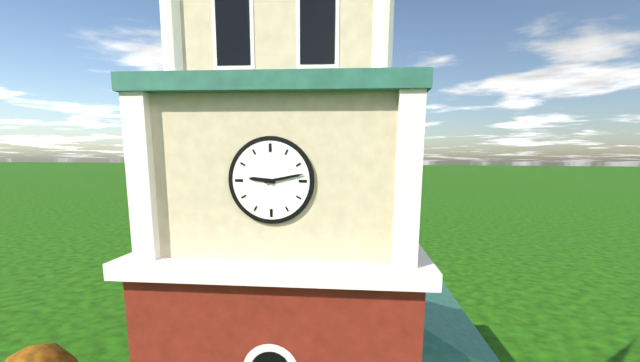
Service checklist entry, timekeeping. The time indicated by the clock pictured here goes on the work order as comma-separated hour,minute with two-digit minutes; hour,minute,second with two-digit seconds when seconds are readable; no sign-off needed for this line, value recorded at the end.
9,13
